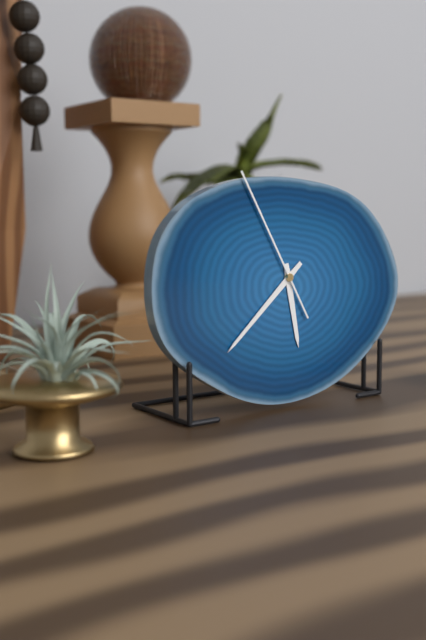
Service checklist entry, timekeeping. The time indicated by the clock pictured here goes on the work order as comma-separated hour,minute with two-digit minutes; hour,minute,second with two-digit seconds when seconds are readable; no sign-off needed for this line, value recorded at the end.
5,38,55
